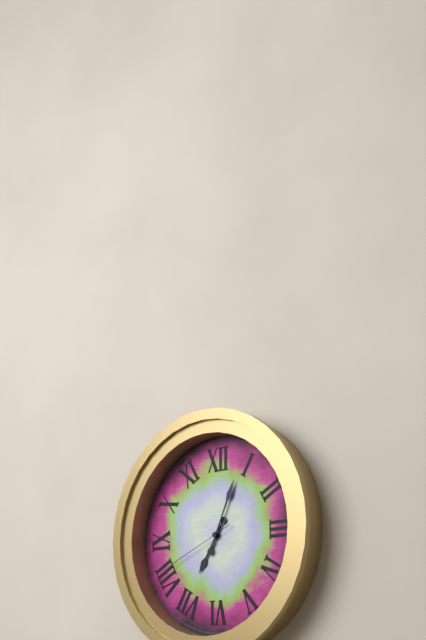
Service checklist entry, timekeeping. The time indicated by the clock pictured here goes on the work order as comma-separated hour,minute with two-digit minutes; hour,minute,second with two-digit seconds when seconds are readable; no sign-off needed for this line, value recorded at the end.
7,04,41
